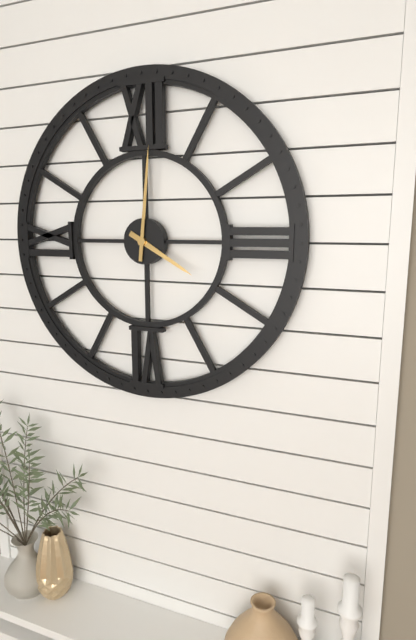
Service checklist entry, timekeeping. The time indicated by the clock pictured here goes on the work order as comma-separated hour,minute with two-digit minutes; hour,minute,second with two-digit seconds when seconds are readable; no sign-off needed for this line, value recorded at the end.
4,01
